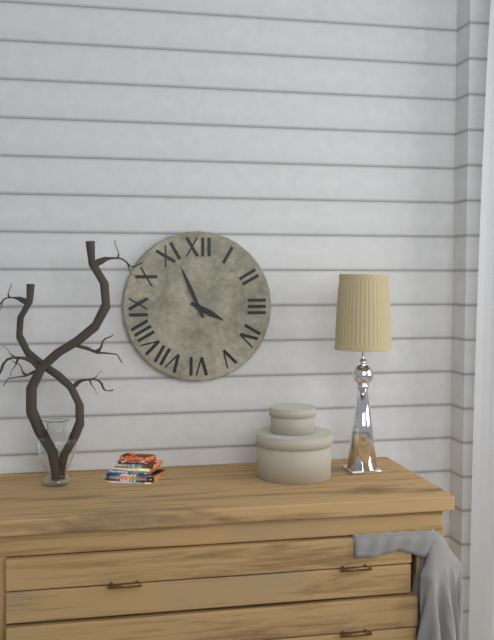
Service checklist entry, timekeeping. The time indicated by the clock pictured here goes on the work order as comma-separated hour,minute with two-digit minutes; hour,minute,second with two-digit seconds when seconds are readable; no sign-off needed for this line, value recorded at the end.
3,56
